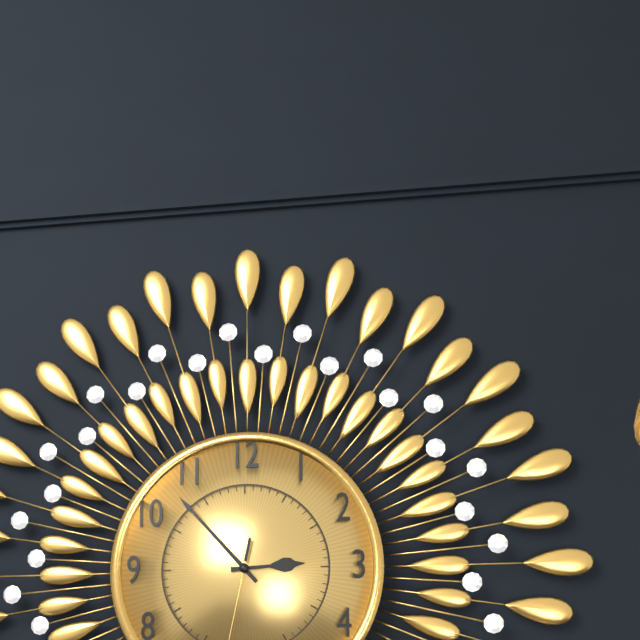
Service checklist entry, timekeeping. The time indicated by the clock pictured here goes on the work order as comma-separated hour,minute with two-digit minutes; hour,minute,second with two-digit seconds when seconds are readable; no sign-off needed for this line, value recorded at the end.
2,53
